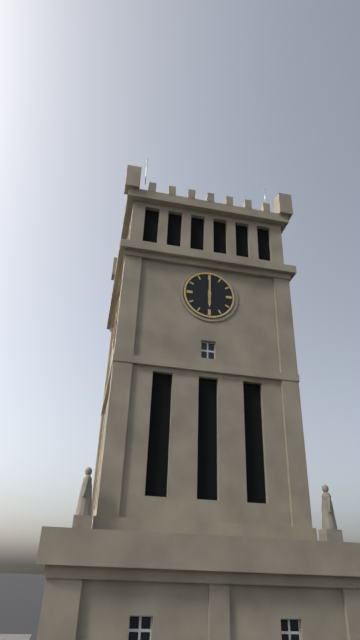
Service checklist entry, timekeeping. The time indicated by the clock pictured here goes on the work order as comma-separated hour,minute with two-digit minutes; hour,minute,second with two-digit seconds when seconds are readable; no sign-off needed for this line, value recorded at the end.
6,00
